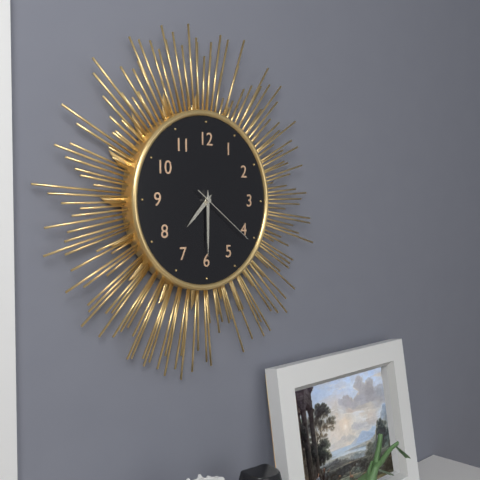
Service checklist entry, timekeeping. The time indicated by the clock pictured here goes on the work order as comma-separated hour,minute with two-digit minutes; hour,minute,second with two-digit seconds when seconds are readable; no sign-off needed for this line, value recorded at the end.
7,30,21
